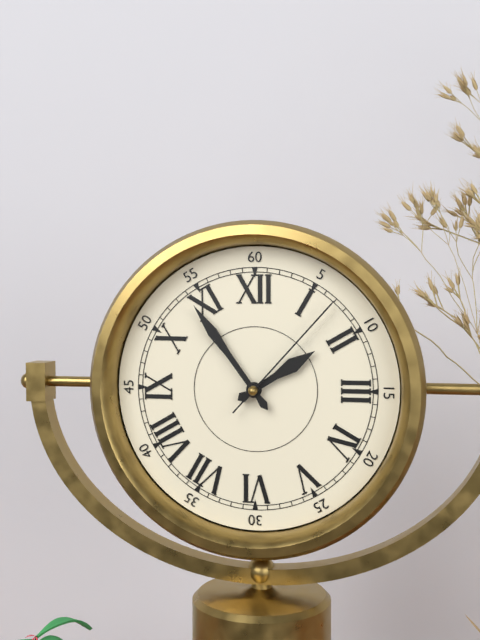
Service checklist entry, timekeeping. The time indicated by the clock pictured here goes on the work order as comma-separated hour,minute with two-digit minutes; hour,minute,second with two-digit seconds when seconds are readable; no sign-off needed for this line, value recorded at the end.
1,54,07
